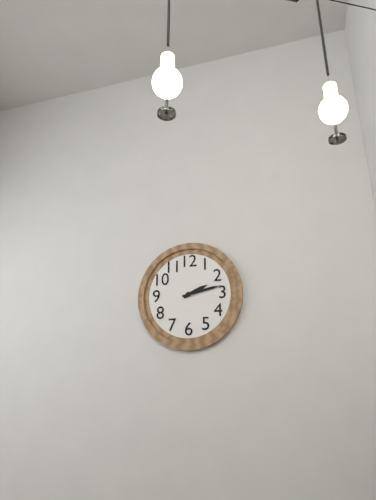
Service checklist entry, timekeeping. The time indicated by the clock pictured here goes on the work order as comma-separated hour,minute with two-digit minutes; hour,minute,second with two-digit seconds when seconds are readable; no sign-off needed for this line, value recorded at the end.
2,13
